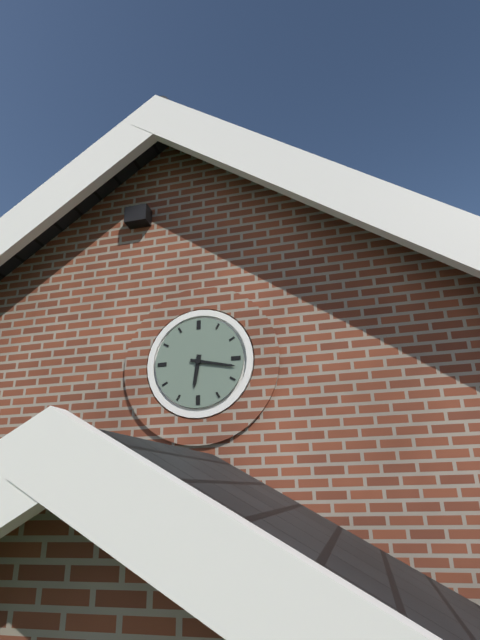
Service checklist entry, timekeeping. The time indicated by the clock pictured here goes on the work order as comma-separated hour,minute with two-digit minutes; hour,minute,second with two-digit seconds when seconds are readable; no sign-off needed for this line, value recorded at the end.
6,17
